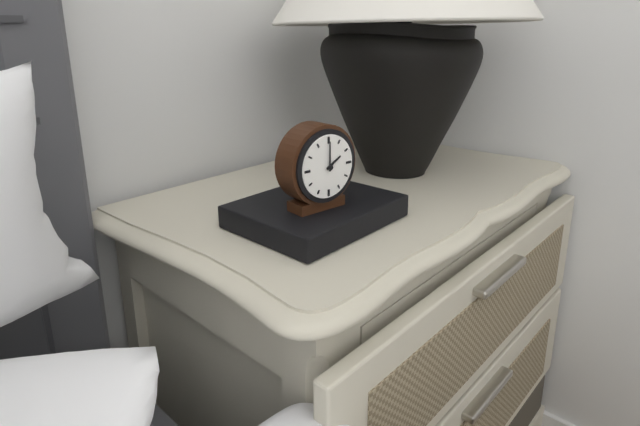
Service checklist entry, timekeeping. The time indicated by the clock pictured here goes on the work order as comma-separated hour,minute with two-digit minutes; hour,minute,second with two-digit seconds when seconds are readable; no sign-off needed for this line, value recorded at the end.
2,00
